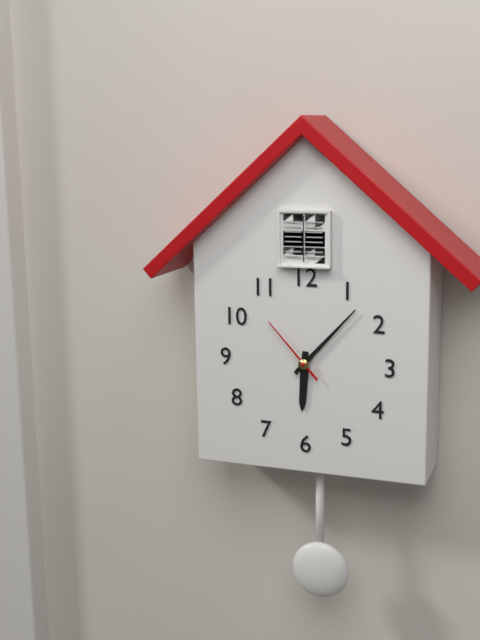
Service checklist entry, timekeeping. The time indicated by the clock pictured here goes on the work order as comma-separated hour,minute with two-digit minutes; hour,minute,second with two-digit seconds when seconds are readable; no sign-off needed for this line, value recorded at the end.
6,07,53
